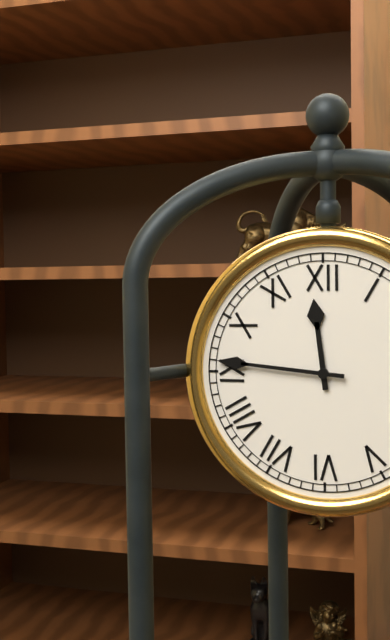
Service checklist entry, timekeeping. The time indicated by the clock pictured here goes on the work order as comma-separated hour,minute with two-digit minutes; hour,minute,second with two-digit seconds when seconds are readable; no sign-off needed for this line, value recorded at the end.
11,46
